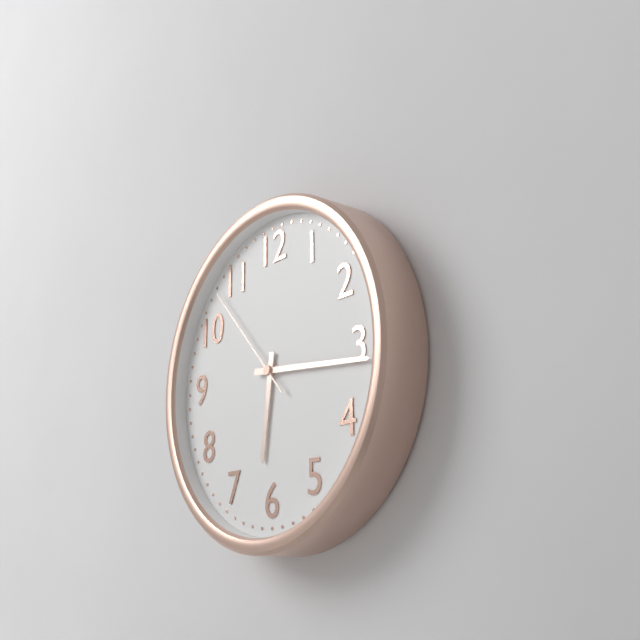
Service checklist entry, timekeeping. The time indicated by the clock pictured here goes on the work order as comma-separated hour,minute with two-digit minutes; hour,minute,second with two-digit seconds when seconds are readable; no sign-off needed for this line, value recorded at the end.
6,16,53
